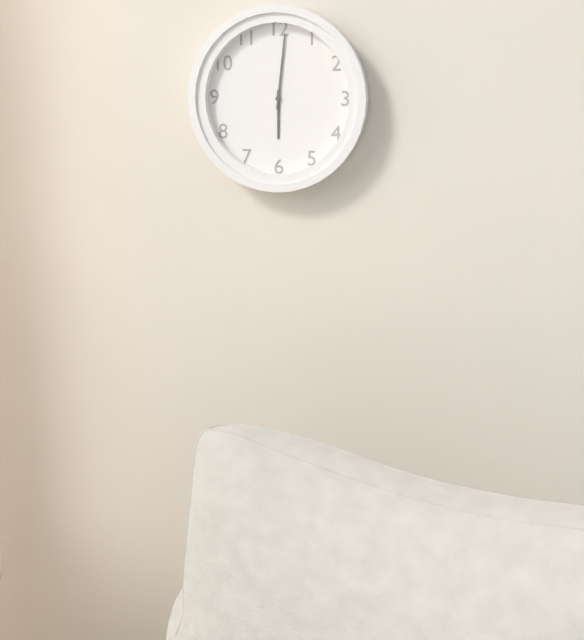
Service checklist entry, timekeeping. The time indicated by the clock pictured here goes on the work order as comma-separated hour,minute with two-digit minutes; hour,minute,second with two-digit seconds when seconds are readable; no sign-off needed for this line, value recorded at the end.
6,01
